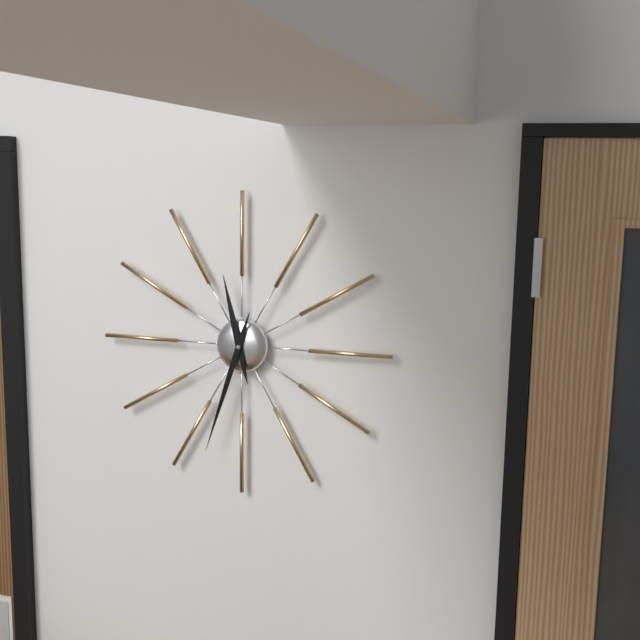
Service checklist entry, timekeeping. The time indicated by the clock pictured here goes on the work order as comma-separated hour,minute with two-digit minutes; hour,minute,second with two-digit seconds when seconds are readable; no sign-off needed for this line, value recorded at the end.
11,33
